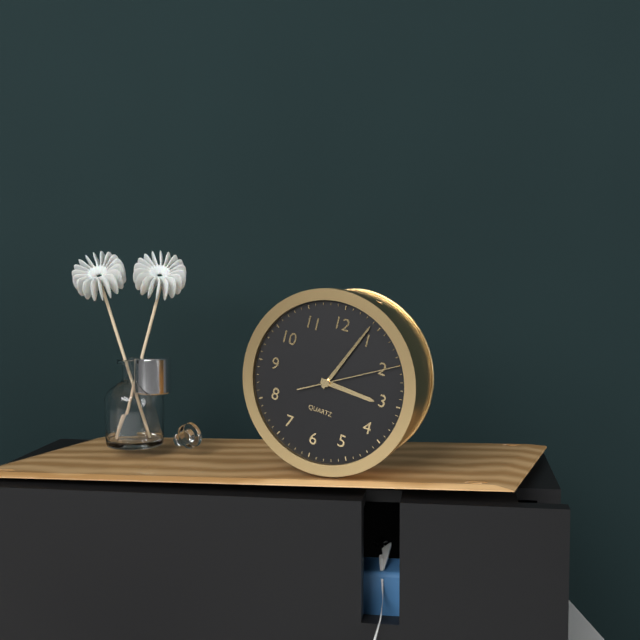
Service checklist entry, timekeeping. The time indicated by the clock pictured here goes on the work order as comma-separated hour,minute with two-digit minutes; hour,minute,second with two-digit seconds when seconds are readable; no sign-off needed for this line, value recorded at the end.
3,04,10
